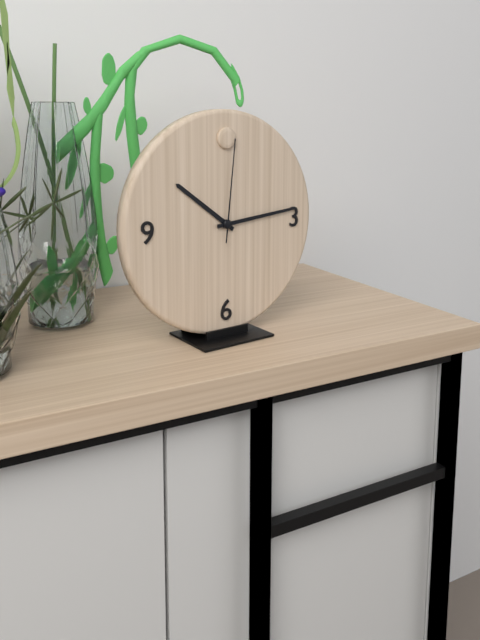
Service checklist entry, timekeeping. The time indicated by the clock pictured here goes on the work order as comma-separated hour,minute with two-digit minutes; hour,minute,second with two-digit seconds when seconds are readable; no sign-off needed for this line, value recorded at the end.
10,14,01
